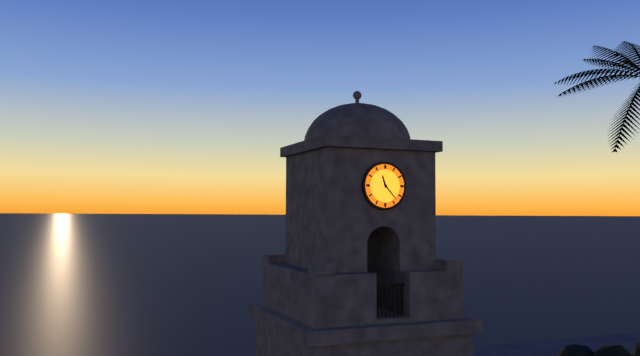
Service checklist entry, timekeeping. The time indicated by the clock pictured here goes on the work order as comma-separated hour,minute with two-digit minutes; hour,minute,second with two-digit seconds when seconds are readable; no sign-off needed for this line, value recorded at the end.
11,23
